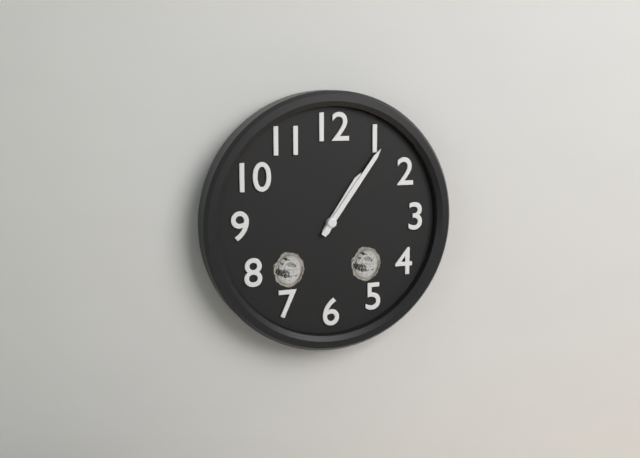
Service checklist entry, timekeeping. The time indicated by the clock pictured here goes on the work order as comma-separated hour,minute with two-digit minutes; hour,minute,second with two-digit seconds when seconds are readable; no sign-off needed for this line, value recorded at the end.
1,06
